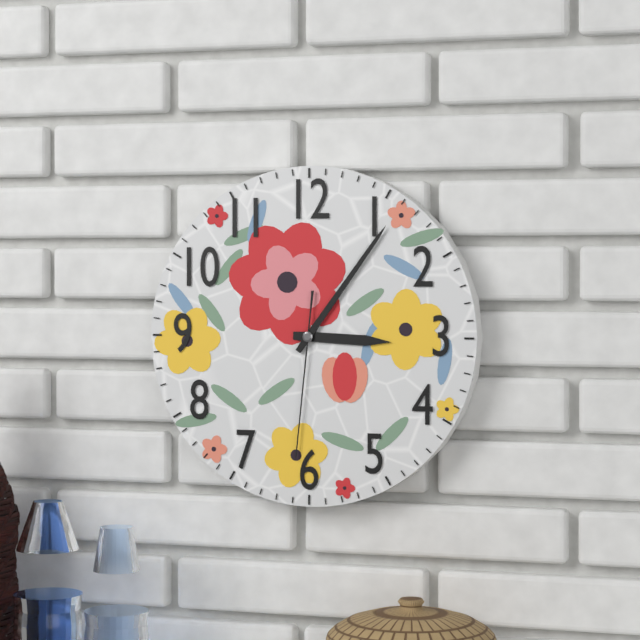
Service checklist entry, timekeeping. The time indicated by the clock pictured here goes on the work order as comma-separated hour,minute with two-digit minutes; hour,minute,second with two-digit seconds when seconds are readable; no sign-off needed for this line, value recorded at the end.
3,06,31
